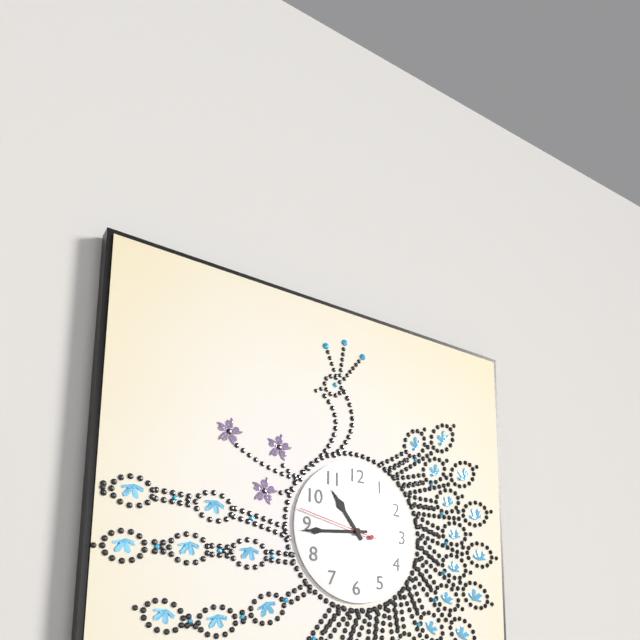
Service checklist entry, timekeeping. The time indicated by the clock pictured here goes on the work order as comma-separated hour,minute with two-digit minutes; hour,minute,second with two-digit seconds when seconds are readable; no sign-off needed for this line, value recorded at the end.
10,44,47
